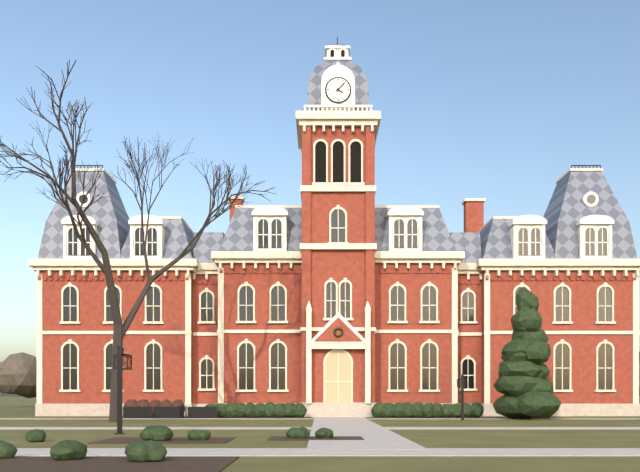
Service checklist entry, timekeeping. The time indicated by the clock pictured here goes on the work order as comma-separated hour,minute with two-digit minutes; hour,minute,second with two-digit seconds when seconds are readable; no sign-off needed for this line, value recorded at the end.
4,07
